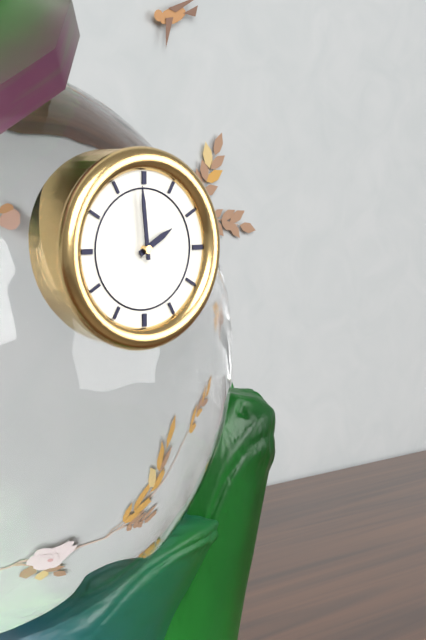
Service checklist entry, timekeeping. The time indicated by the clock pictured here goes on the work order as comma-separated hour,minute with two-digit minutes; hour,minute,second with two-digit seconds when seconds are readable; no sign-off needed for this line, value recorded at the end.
1,59
